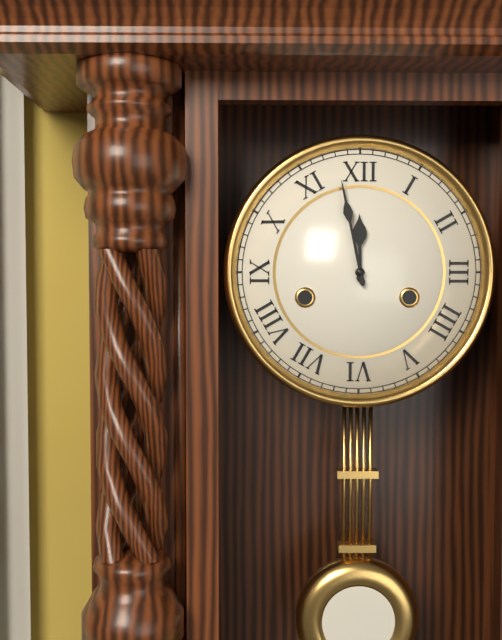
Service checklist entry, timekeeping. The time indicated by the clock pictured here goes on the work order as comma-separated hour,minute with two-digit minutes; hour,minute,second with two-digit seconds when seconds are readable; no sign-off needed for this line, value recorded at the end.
11,58
